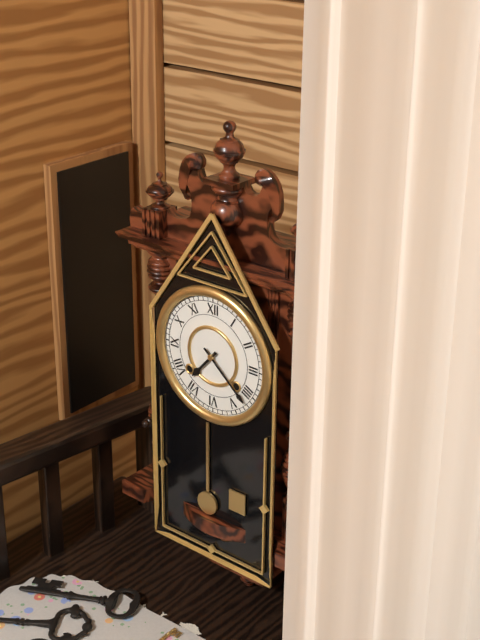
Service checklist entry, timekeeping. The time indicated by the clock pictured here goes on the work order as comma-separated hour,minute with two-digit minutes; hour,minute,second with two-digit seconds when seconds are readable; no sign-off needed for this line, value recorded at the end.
7,22
